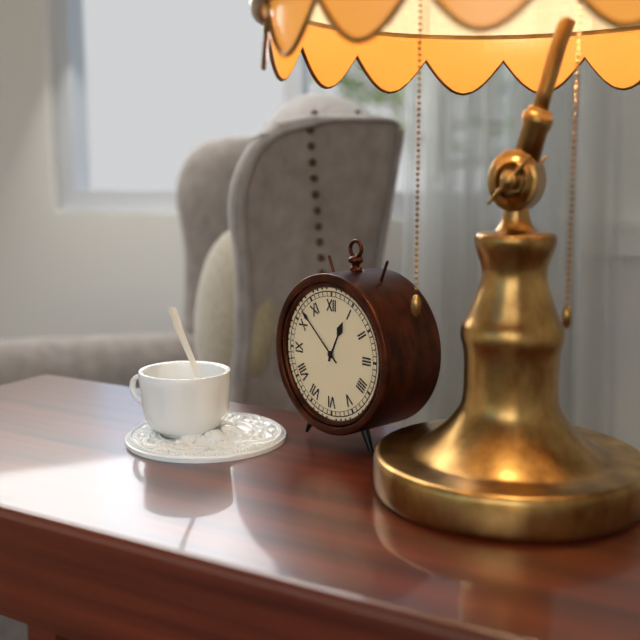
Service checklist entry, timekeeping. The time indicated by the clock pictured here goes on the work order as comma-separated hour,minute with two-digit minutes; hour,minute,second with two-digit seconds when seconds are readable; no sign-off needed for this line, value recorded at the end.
12,52
